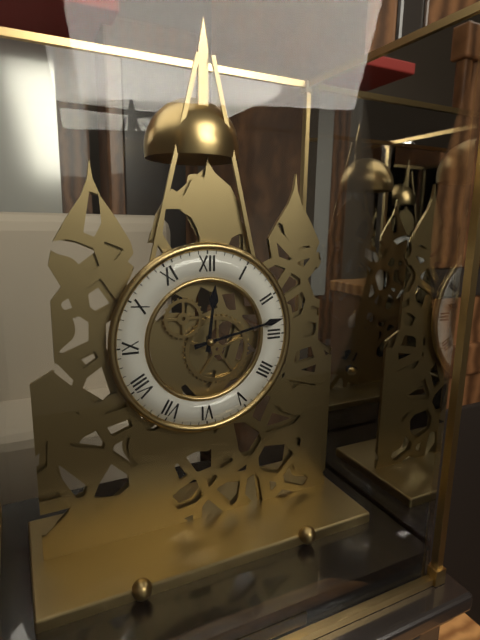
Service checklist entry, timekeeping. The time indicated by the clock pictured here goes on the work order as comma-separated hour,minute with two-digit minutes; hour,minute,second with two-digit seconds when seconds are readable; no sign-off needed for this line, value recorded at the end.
12,13
